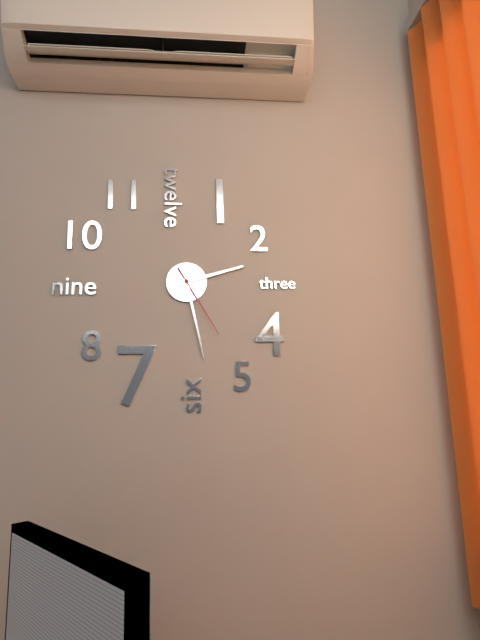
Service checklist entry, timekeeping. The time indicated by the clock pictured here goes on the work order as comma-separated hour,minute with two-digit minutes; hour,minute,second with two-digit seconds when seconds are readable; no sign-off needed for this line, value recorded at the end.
2,28,25
